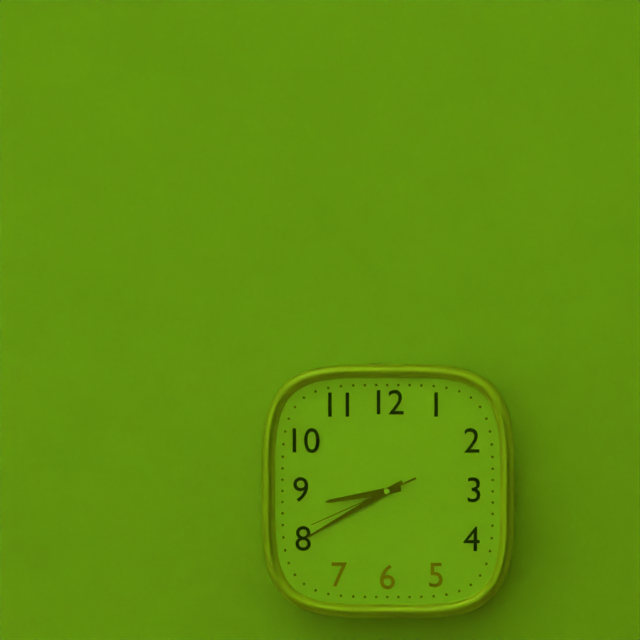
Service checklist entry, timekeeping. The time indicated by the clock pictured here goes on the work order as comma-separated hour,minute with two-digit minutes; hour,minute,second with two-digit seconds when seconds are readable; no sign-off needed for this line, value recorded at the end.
8,40,41
